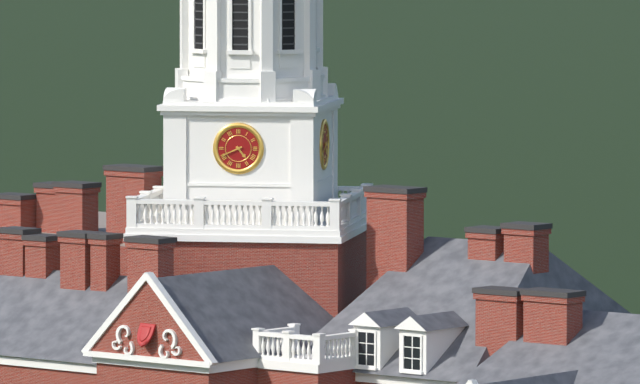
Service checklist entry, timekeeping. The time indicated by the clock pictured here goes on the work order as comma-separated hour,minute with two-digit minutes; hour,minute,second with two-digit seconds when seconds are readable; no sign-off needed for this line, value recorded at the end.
4,41
